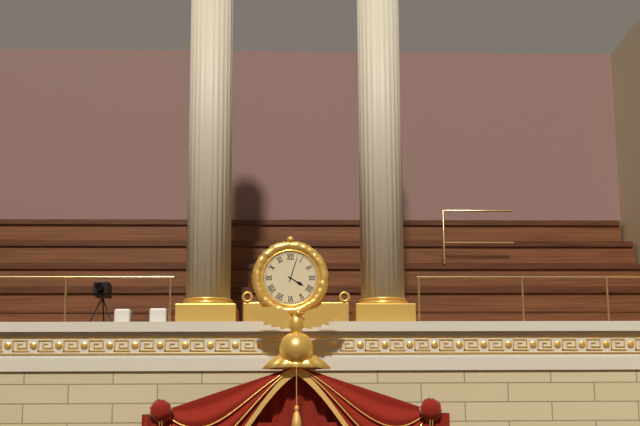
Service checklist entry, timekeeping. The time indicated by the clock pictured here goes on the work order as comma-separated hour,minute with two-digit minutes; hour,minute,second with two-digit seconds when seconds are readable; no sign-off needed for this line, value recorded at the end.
4,03
